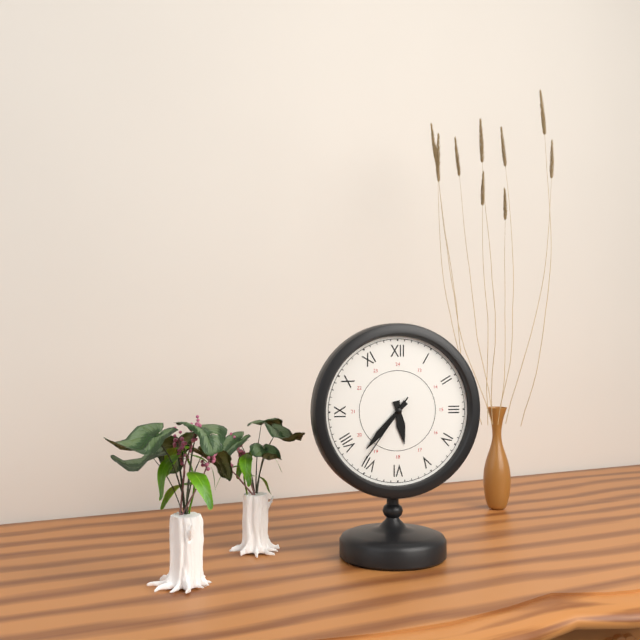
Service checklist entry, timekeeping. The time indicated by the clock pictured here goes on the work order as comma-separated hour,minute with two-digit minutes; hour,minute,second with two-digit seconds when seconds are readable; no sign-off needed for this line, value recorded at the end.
5,37,36
